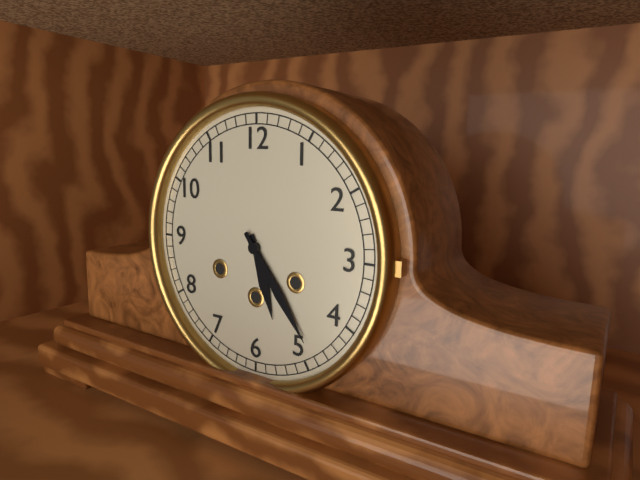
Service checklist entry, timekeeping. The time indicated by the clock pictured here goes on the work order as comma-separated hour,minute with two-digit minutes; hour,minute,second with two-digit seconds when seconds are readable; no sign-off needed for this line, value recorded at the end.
5,24
